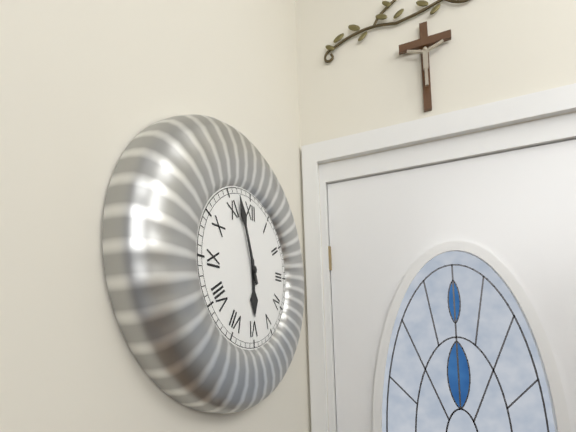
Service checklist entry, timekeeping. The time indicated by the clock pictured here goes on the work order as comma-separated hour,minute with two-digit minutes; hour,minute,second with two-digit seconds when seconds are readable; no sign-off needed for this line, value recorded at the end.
5,57
